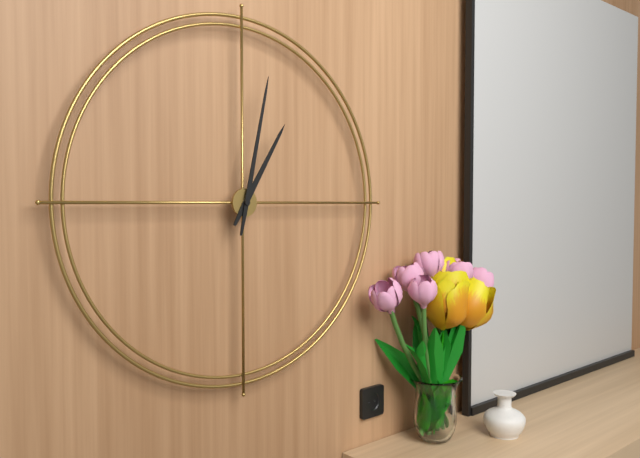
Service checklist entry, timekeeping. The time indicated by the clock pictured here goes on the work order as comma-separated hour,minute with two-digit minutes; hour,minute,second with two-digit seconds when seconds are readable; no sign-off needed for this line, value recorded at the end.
1,02
